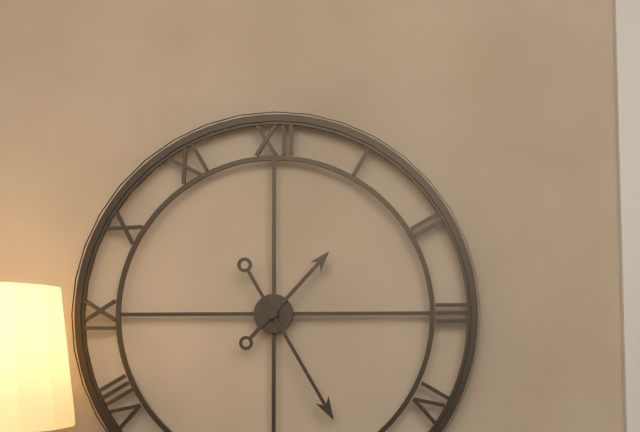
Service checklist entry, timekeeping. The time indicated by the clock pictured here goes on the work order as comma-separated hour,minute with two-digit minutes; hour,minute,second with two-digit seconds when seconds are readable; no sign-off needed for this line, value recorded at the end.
1,25
